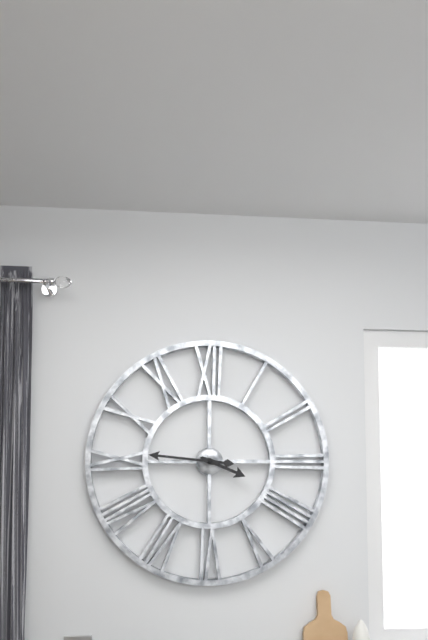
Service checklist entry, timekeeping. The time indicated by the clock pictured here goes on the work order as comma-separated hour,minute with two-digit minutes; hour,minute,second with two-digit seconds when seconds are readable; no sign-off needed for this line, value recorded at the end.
3,46
